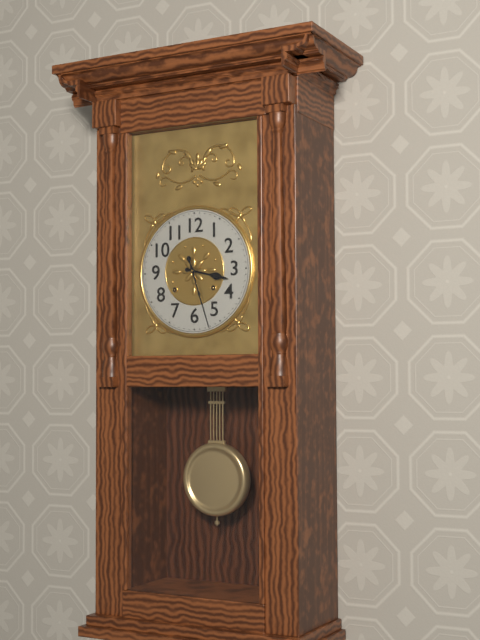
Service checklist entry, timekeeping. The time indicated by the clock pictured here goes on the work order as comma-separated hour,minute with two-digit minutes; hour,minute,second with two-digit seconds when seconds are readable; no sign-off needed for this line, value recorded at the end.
3,27
